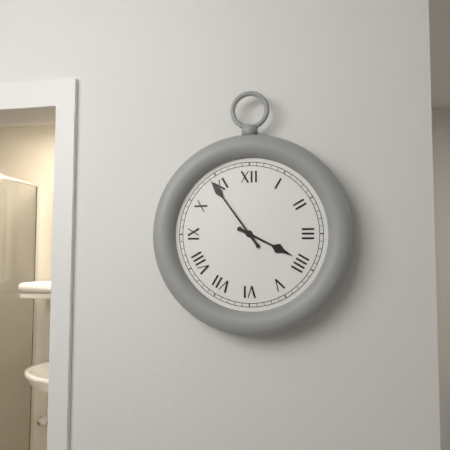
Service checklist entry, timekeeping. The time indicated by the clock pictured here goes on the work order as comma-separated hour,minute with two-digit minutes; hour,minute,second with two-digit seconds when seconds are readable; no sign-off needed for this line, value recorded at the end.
3,54
